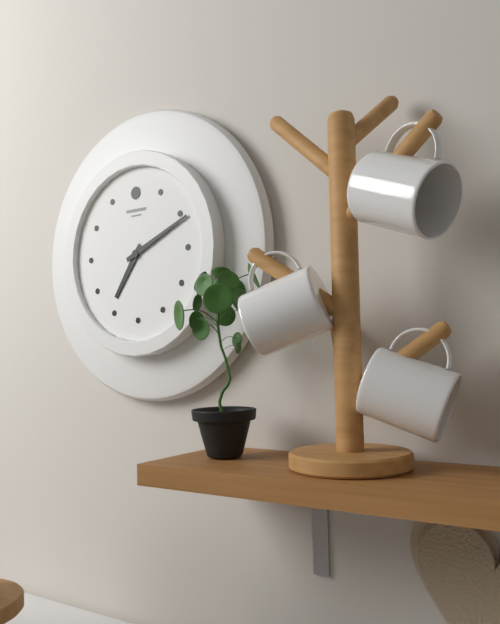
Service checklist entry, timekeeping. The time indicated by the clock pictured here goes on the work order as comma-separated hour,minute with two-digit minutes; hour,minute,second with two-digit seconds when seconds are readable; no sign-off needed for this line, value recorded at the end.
7,11
